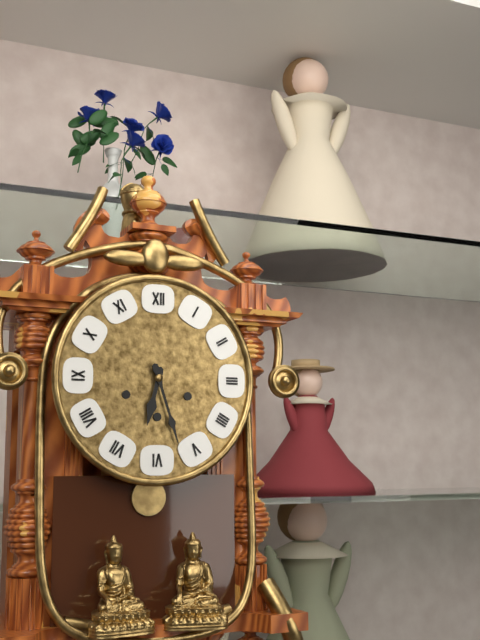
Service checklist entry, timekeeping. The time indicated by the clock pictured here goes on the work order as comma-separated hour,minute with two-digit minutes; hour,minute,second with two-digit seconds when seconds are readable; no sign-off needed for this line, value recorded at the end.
6,27
